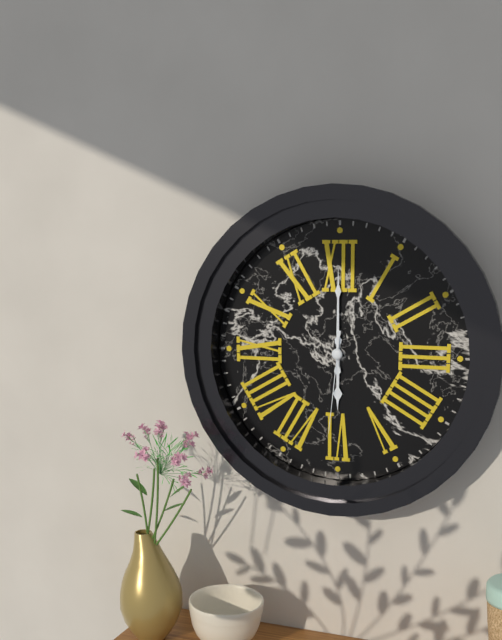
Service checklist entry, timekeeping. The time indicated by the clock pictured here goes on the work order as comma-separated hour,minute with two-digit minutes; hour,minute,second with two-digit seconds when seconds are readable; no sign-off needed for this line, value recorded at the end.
6,00,31
